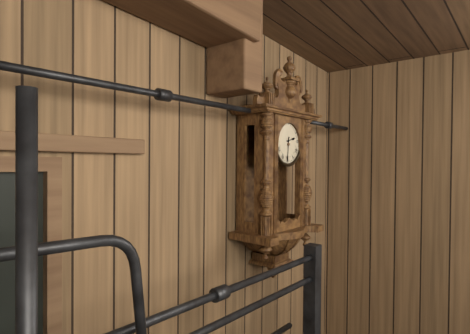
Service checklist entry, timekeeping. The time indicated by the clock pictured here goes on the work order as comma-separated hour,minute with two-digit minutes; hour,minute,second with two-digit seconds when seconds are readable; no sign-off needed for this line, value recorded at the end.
2,31
